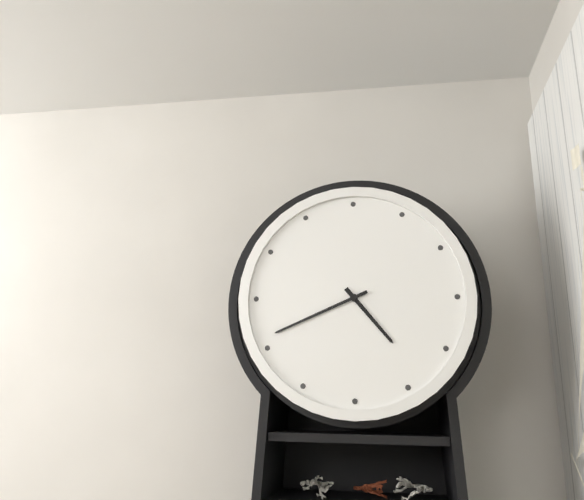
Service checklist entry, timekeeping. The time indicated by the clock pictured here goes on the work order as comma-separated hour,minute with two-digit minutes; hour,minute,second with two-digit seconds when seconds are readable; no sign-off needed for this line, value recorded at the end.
4,41
